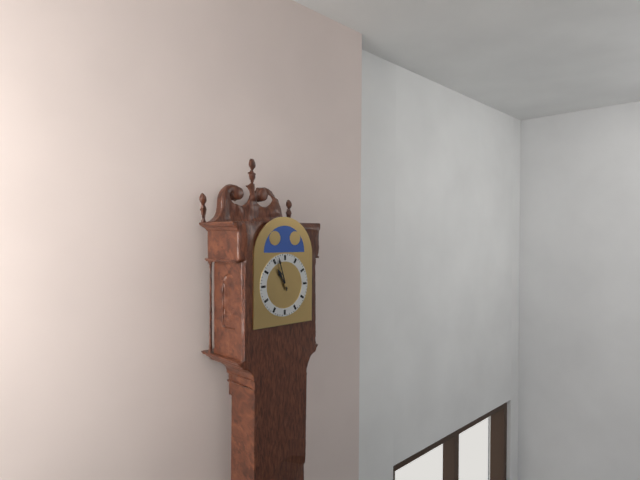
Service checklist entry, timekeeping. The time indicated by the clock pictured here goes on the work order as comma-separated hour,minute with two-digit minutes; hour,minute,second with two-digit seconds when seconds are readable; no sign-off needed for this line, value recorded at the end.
10,57
